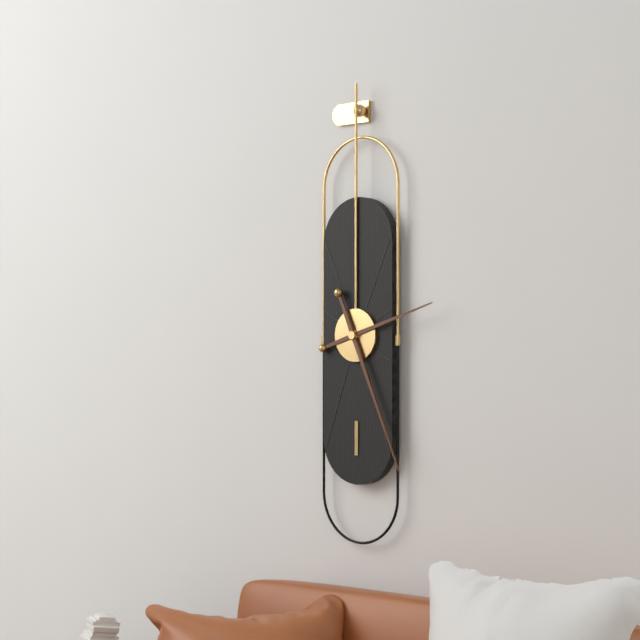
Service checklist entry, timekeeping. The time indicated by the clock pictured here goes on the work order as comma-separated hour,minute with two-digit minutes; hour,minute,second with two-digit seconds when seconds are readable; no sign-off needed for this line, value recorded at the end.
2,26
